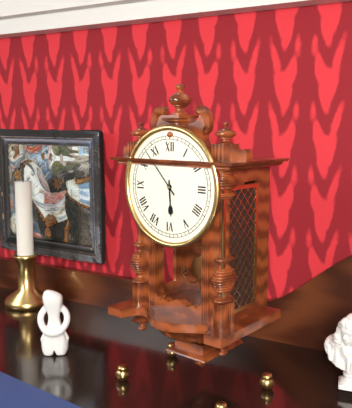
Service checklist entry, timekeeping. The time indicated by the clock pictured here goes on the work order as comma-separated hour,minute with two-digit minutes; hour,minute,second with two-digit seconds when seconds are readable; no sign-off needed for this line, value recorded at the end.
5,53
